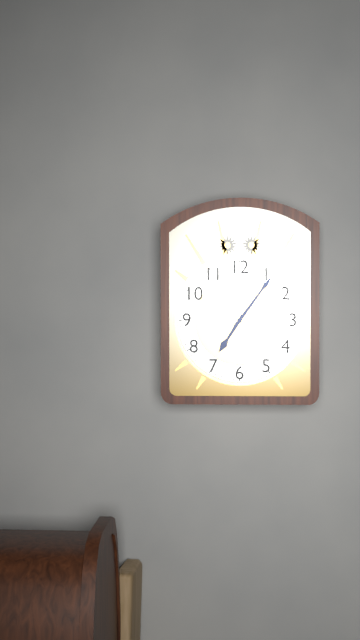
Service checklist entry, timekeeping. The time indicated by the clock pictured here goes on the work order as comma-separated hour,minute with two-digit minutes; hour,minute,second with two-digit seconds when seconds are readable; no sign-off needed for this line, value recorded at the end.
7,06
